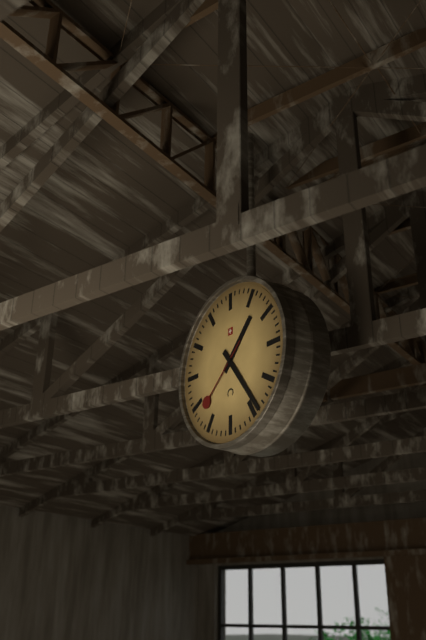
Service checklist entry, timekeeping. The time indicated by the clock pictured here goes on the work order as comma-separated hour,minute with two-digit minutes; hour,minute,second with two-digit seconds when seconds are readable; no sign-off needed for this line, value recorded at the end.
1,24,38
